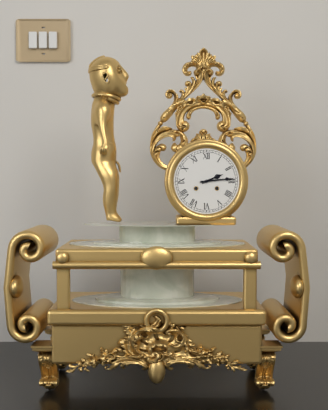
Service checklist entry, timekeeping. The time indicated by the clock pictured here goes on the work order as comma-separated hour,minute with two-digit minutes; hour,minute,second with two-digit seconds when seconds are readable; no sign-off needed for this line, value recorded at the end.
2,14
